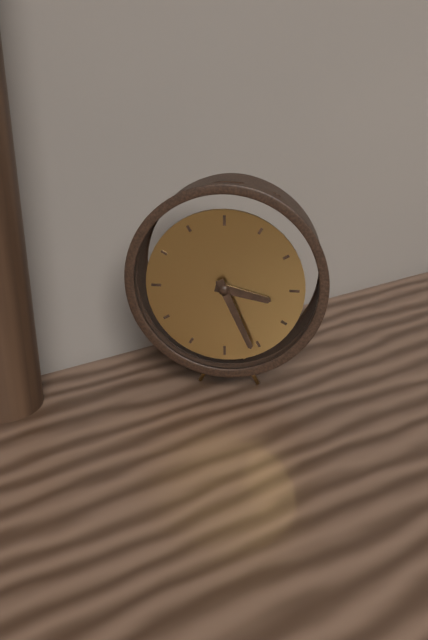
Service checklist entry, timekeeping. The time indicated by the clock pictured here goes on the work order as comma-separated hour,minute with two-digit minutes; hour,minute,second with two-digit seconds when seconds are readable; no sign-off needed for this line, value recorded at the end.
3,26
